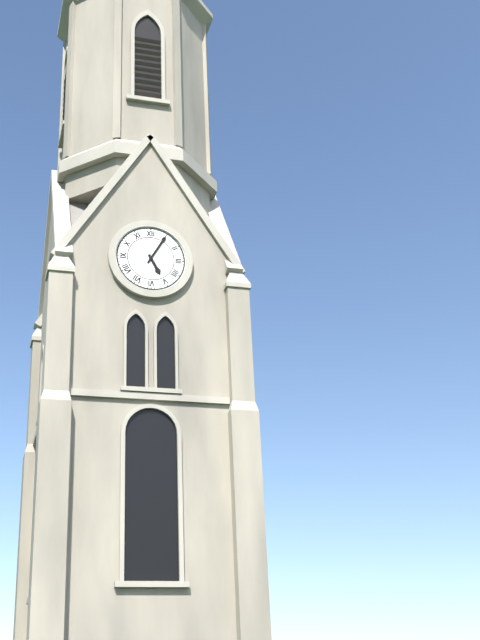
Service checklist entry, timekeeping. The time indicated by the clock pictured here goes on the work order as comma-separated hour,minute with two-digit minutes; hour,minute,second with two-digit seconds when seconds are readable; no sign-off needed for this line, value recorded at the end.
5,05
